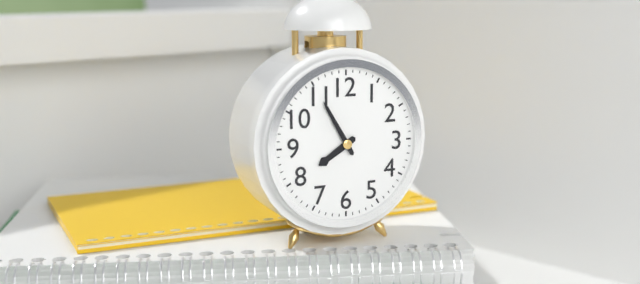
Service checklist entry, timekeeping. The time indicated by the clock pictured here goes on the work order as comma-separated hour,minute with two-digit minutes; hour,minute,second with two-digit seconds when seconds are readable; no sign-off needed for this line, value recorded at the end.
7,55
